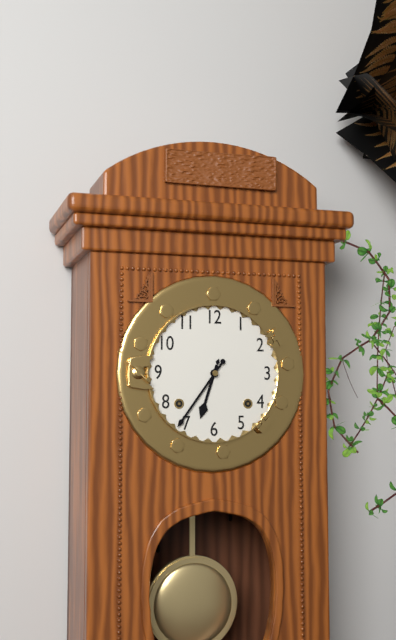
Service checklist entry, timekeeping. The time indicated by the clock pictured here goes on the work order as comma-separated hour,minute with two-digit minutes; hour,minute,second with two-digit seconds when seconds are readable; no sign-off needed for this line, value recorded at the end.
6,36
